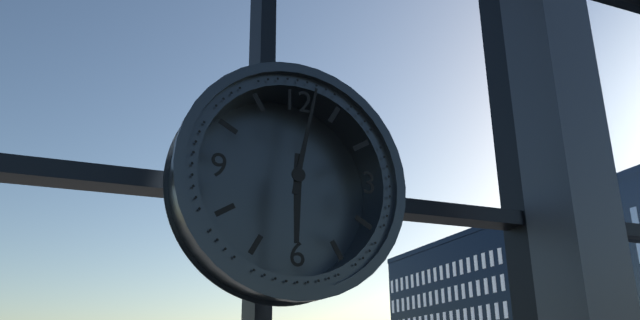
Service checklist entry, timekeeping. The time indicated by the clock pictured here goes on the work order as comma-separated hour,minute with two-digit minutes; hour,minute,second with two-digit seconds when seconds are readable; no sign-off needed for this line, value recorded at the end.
6,02
